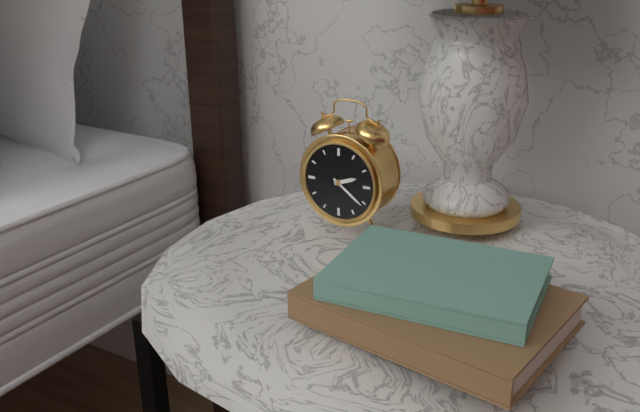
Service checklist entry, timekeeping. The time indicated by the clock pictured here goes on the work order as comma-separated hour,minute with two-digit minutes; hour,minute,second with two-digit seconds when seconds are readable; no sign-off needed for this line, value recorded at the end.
2,21
